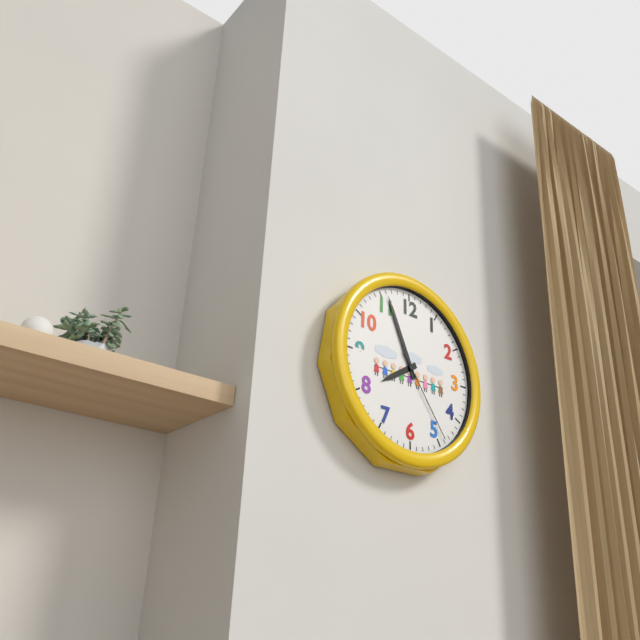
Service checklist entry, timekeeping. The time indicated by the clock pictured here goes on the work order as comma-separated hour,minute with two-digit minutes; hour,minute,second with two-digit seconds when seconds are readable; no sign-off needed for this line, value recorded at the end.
7,56,24
